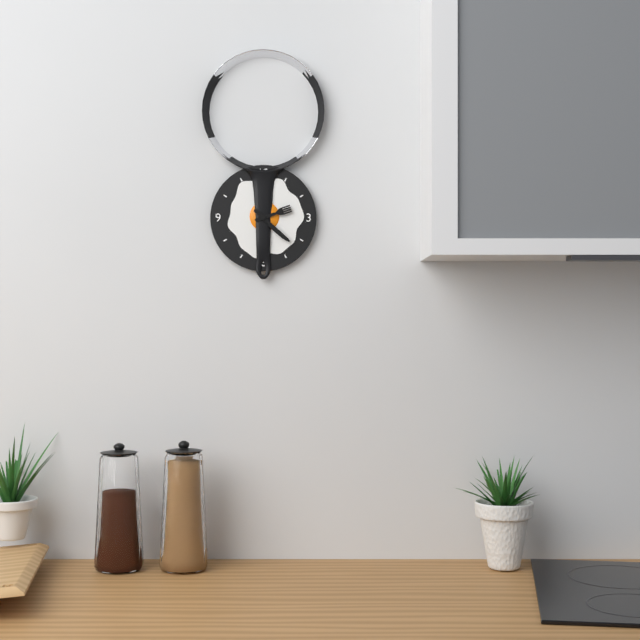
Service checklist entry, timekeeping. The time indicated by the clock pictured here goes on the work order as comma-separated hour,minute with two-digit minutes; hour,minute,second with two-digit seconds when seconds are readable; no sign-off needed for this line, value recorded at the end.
2,22
